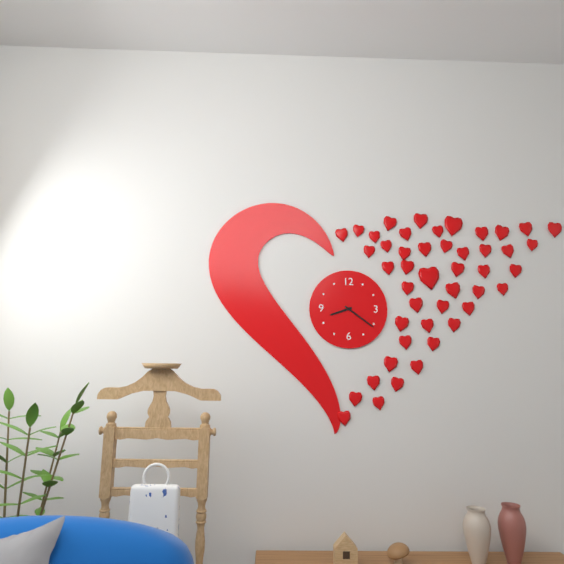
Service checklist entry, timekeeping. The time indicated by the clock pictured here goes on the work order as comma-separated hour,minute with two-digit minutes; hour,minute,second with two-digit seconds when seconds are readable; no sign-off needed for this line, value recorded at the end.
8,21
